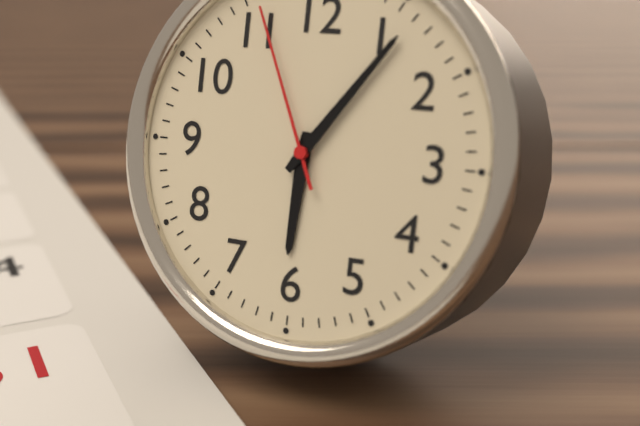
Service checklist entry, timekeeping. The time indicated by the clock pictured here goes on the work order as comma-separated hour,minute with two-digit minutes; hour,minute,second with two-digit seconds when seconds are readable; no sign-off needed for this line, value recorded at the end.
6,06,56
